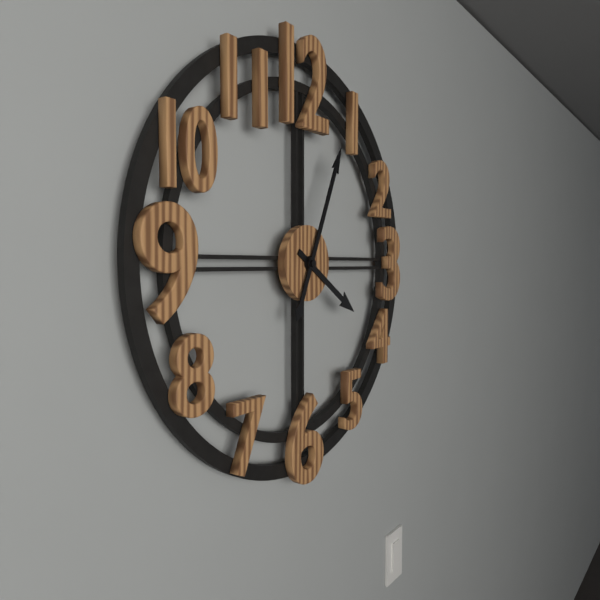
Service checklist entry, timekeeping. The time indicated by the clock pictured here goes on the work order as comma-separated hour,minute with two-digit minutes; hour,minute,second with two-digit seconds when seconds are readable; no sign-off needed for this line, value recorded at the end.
4,04
